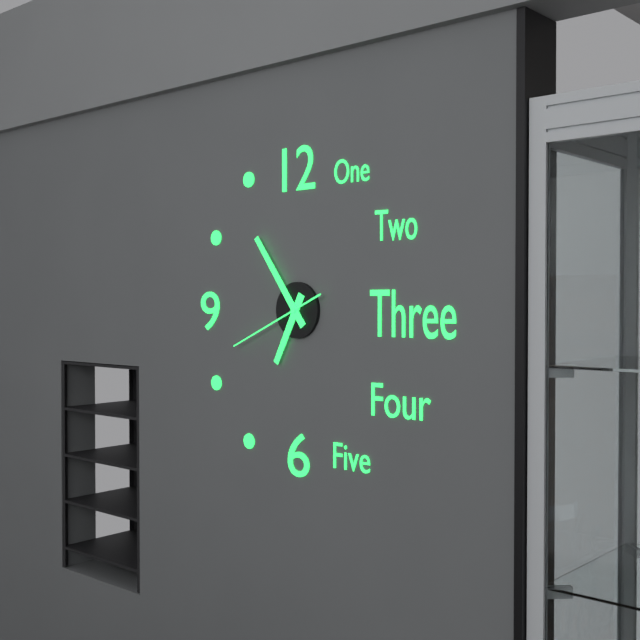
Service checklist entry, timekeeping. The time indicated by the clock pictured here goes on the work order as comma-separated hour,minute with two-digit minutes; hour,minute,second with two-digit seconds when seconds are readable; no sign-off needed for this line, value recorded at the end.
6,54,41
